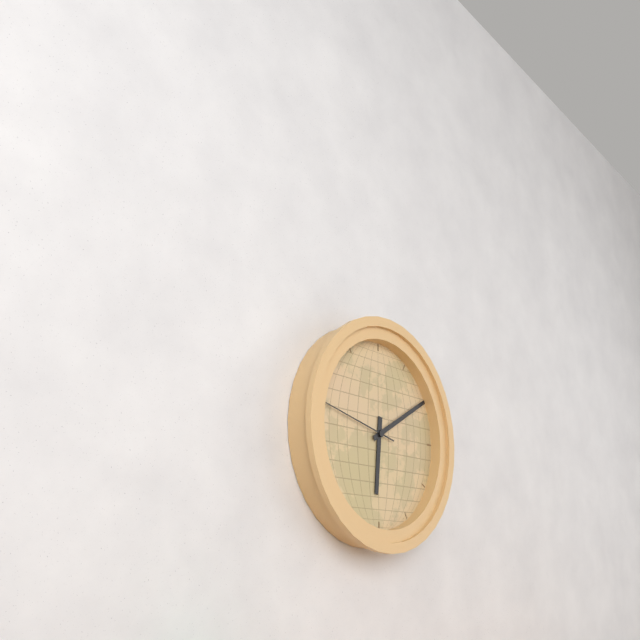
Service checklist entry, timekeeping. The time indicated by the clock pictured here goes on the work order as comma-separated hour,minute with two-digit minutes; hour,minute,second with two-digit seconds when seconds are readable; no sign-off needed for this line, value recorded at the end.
6,10,47
